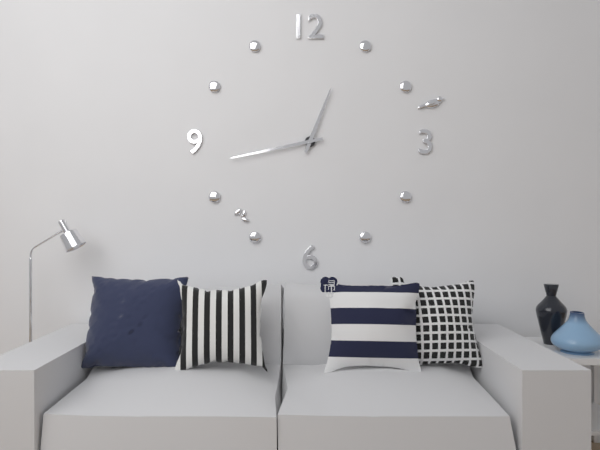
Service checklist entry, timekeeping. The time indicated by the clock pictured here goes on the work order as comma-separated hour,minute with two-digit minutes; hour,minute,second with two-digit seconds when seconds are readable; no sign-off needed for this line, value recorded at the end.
12,43
